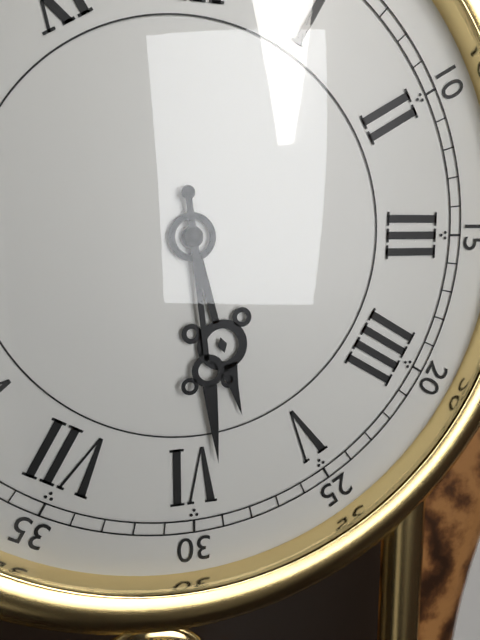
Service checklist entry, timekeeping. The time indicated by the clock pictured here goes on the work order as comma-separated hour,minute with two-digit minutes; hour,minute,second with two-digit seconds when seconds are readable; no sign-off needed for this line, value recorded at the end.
5,29
